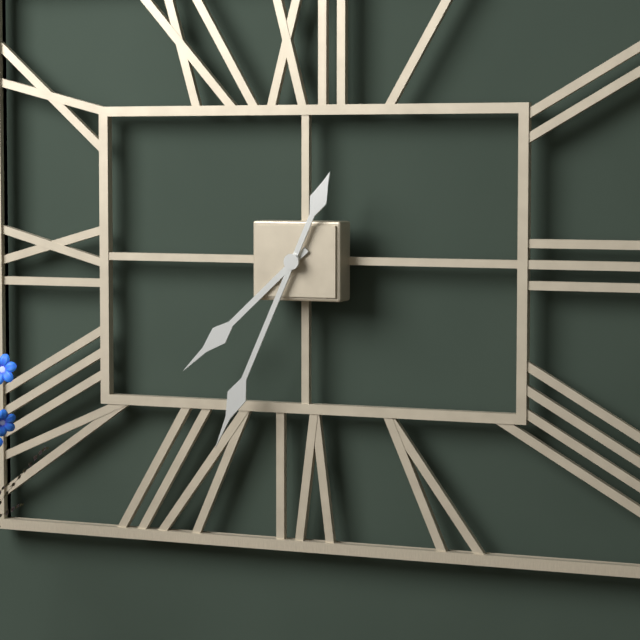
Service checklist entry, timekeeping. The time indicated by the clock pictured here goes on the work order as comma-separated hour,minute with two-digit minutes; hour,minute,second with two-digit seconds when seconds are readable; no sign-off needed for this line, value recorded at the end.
7,34
